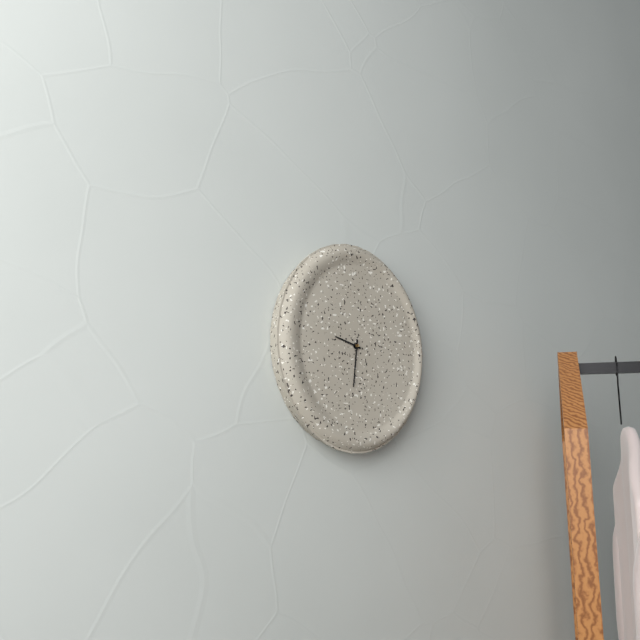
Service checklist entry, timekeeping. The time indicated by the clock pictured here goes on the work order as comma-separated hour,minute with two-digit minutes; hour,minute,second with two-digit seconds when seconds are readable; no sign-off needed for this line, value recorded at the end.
9,31
